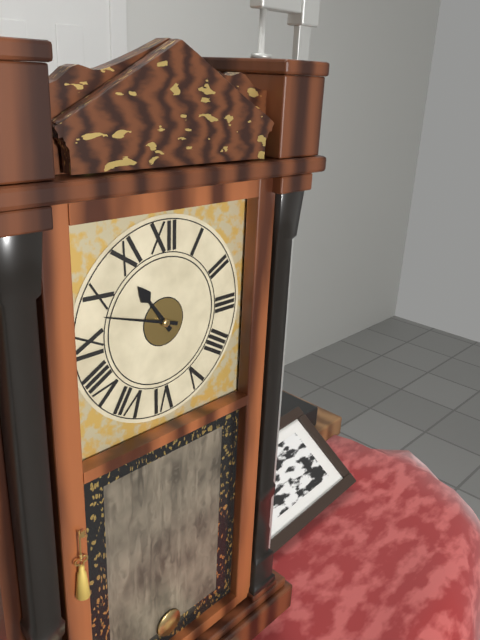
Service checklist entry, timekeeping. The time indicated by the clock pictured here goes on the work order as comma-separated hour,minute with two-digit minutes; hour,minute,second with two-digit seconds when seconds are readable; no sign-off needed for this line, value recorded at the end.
10,48
